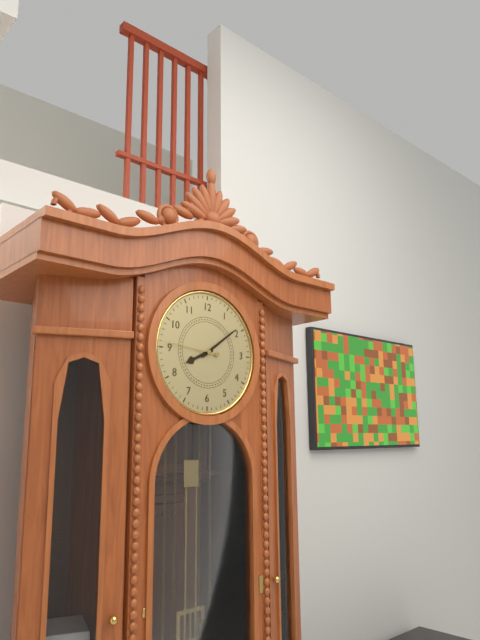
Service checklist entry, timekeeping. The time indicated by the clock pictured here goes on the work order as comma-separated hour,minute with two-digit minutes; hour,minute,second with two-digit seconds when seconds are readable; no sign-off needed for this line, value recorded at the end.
8,09
